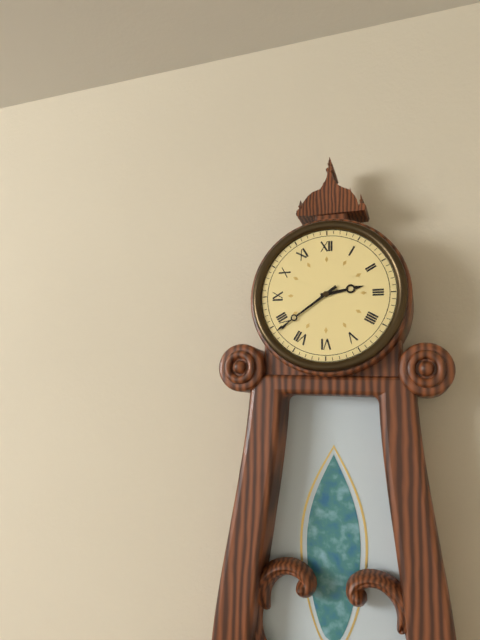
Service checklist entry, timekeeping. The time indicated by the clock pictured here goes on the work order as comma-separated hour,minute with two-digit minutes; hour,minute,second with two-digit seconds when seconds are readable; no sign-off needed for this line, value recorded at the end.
2,39
